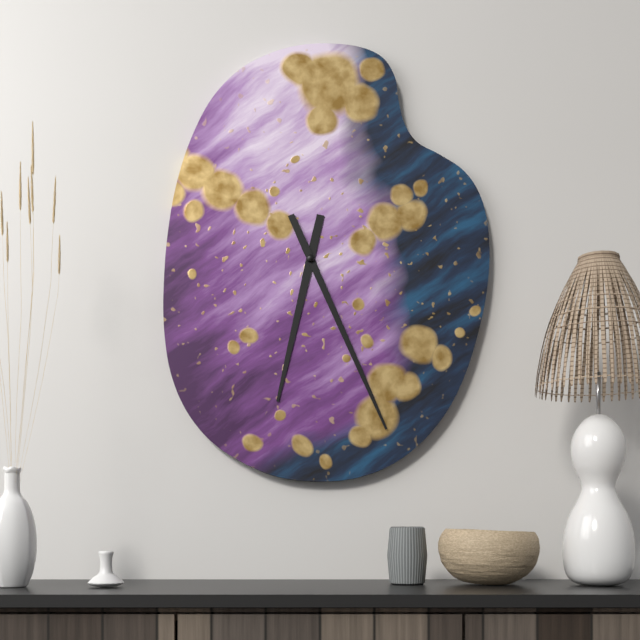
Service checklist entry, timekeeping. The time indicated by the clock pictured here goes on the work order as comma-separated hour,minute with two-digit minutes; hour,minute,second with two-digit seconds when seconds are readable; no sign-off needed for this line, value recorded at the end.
6,26
